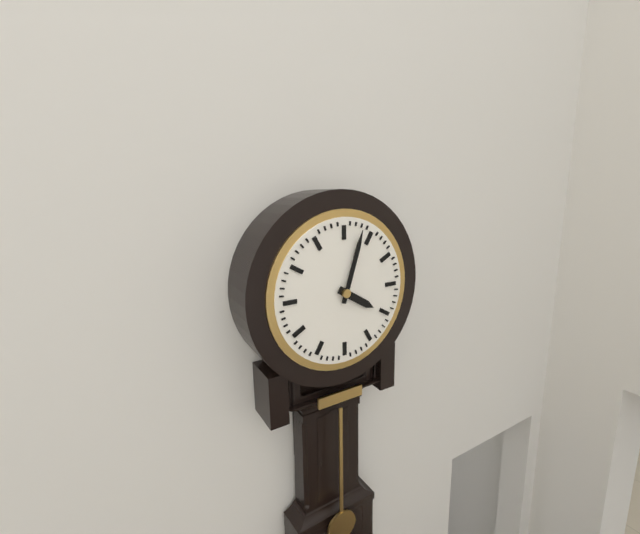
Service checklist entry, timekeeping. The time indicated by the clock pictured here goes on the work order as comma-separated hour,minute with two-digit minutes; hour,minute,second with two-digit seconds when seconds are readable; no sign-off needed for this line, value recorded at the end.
4,03
